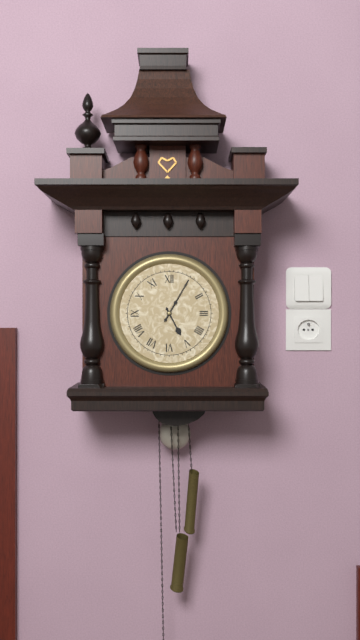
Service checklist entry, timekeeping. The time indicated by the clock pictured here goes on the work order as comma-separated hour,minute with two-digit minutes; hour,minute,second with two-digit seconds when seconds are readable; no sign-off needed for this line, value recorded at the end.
5,05
